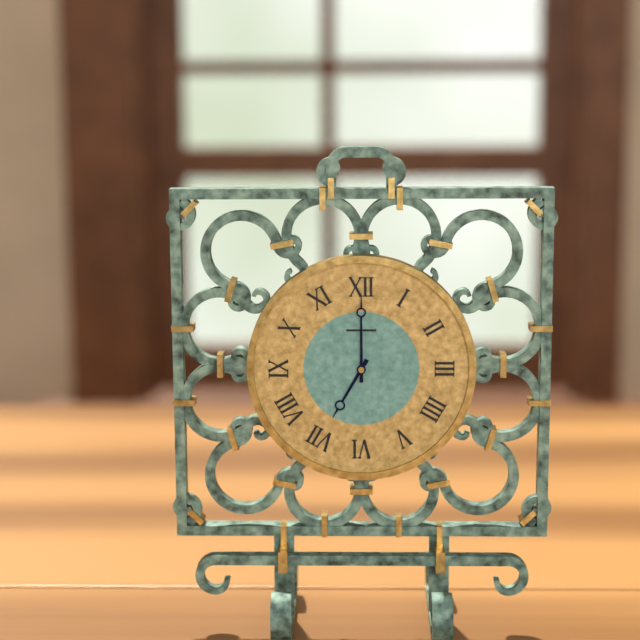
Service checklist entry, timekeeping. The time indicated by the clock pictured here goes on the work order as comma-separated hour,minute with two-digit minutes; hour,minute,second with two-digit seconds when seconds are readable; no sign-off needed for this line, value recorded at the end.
7,00
